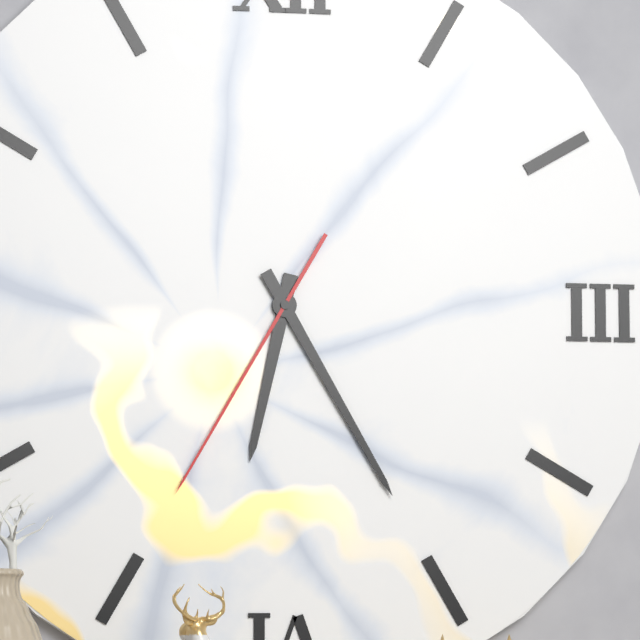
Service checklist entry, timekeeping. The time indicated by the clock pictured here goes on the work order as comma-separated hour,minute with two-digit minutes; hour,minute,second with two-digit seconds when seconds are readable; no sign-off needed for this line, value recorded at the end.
6,25,35
